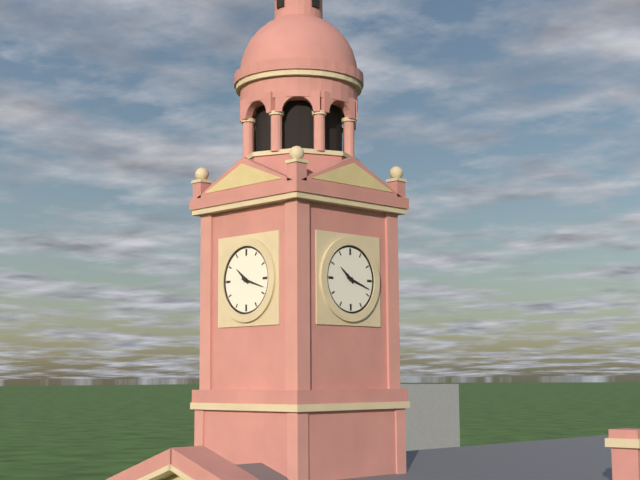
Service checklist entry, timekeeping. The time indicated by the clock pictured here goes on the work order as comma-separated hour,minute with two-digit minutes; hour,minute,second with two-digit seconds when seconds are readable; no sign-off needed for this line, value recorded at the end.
10,18
